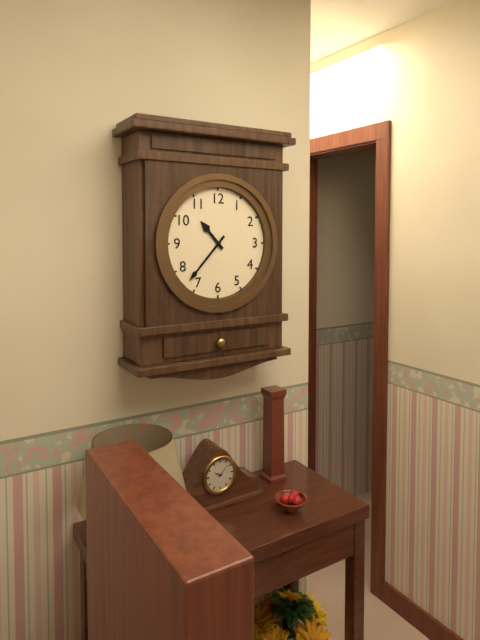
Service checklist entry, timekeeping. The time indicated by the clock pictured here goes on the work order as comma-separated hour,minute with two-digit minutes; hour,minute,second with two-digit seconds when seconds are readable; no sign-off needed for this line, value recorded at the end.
10,37
